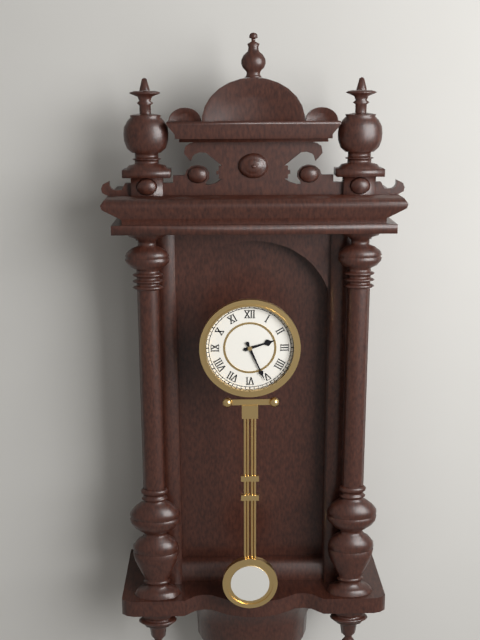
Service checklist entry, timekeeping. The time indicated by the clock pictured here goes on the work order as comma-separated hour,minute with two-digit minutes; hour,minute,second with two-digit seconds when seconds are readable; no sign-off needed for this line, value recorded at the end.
2,26
